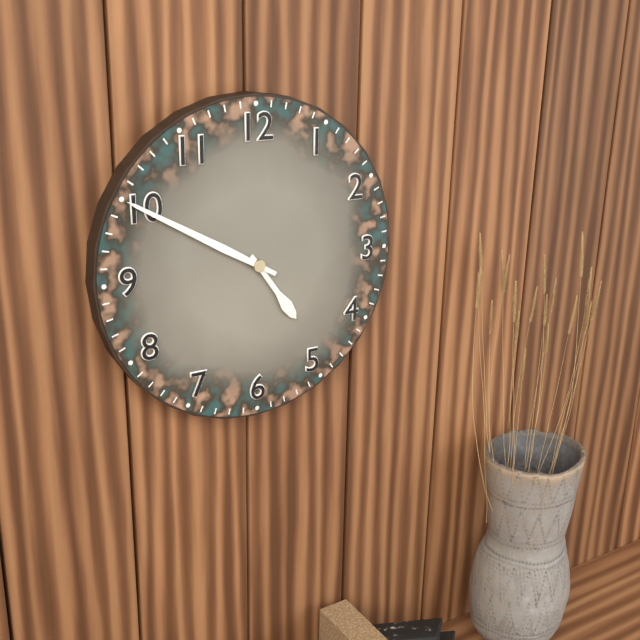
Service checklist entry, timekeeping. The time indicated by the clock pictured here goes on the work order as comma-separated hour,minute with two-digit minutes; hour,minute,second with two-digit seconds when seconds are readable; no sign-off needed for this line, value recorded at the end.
4,50
